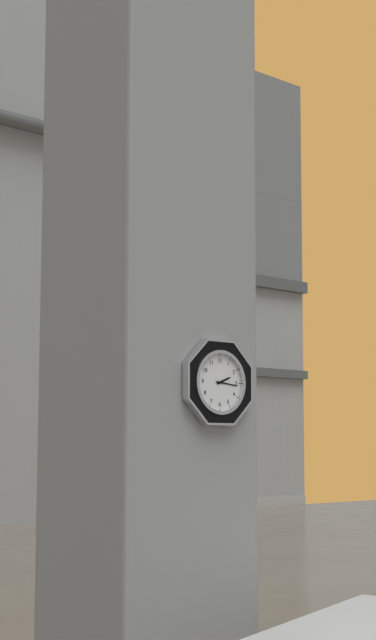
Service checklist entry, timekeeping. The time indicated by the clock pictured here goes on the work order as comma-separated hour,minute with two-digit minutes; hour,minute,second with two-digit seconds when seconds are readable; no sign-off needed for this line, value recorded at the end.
2,16
